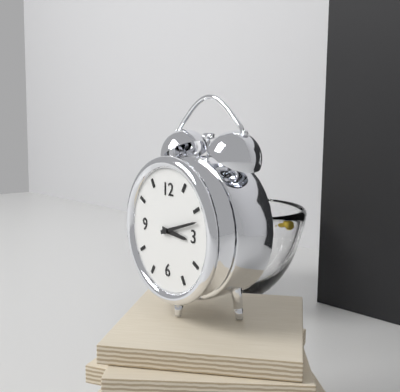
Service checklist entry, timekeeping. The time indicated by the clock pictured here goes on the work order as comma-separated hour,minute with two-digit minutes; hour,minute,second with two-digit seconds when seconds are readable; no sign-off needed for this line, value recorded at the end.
3,12
